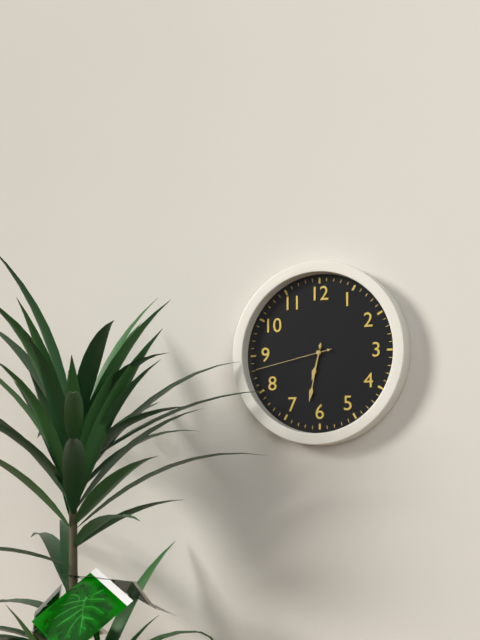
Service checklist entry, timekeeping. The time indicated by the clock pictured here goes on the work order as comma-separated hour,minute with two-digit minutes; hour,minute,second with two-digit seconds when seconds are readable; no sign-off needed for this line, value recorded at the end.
6,32,43
